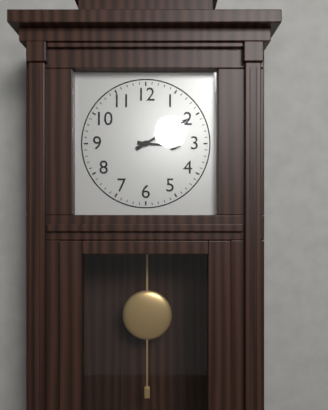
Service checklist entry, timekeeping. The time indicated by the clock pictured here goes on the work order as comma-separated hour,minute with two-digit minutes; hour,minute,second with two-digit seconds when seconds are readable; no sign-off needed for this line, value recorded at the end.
3,10
